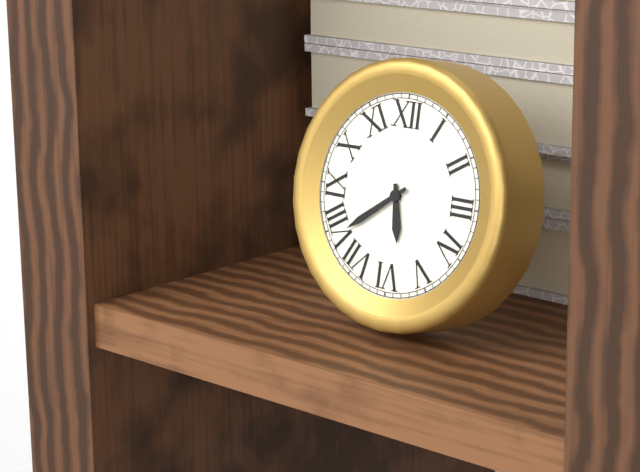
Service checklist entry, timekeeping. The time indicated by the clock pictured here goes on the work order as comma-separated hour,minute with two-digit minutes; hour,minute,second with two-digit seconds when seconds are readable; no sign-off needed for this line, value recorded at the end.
5,39
